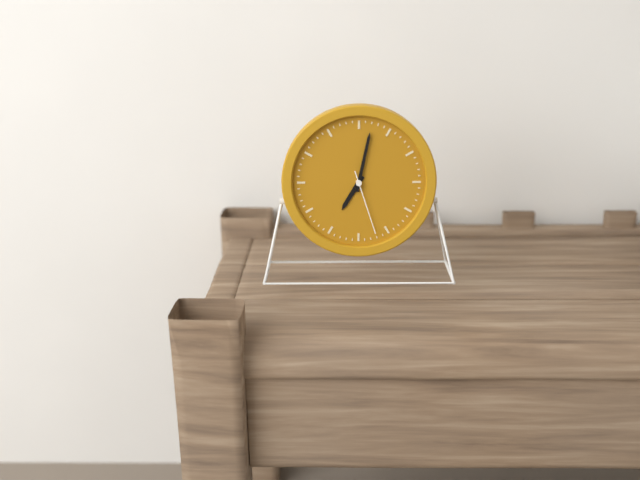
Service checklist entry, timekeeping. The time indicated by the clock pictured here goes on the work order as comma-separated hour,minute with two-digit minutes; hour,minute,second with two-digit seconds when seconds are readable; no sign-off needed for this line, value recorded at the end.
7,02,27
